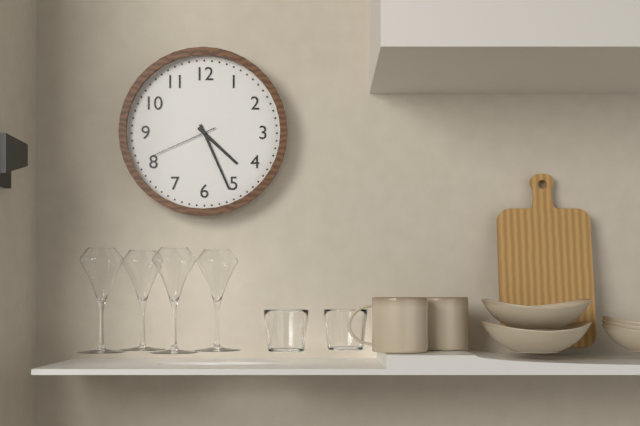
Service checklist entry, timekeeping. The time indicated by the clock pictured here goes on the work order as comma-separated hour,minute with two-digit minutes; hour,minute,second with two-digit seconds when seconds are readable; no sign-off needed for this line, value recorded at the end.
4,26,41
